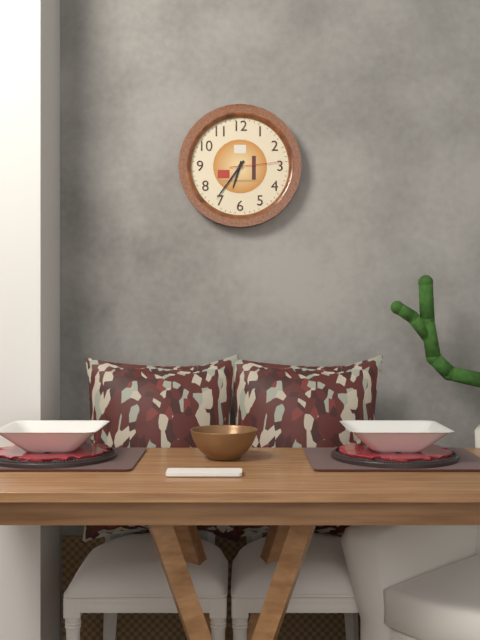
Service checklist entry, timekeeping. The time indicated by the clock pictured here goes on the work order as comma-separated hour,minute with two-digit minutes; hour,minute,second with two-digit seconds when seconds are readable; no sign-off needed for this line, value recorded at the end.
6,36,14
